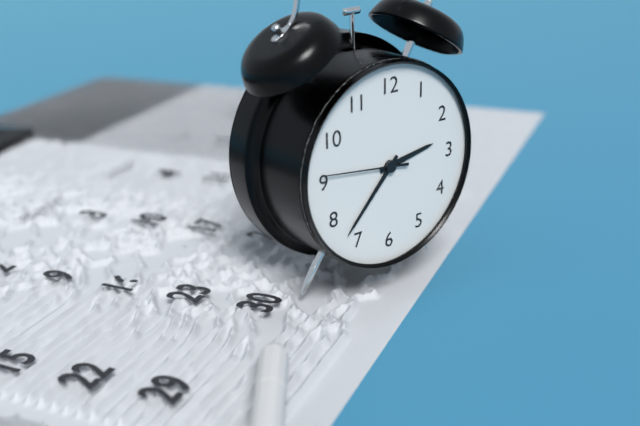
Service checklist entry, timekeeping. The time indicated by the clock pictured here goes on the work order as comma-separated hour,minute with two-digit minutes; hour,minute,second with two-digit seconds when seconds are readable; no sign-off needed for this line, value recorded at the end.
2,37,46
